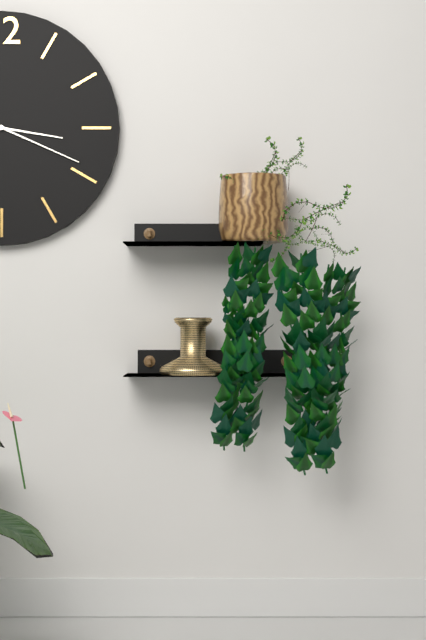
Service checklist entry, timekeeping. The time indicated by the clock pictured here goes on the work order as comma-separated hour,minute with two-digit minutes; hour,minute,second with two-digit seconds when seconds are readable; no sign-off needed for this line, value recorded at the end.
3,19
